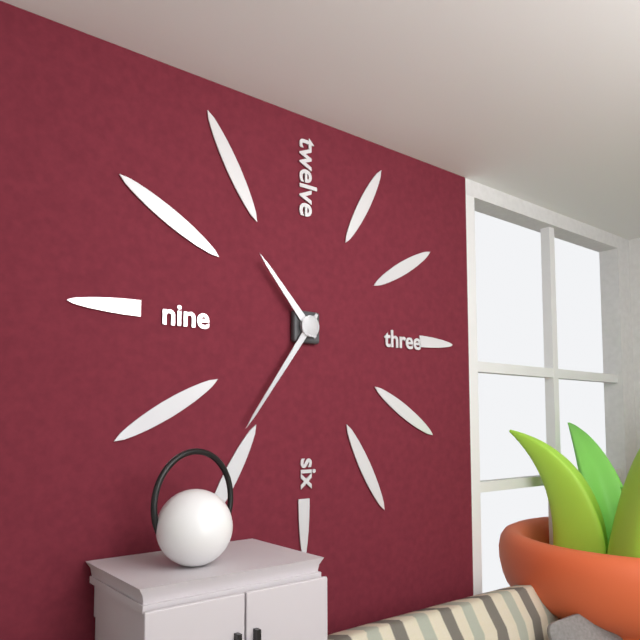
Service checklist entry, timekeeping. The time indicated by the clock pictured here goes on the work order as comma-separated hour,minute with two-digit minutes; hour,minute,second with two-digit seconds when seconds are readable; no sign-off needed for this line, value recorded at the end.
10,36
